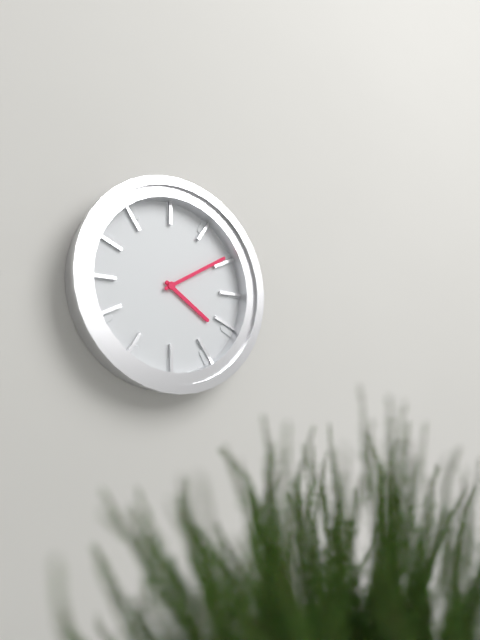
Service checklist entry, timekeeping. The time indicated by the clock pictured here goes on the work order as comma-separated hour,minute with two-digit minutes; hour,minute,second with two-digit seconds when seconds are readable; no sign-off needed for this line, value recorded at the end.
4,10
